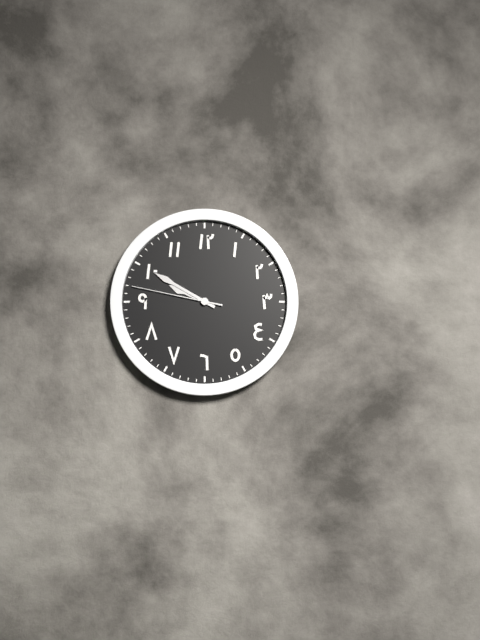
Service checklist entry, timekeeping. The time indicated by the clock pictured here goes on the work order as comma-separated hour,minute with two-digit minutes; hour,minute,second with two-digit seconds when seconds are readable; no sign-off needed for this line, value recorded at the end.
9,50,47
